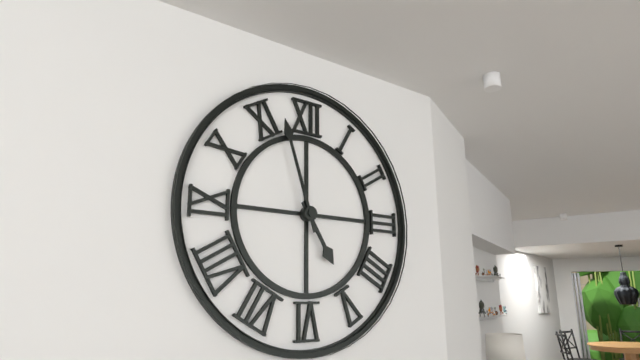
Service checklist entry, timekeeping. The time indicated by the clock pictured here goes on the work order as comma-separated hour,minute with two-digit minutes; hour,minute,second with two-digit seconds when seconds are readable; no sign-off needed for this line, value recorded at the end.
4,57
